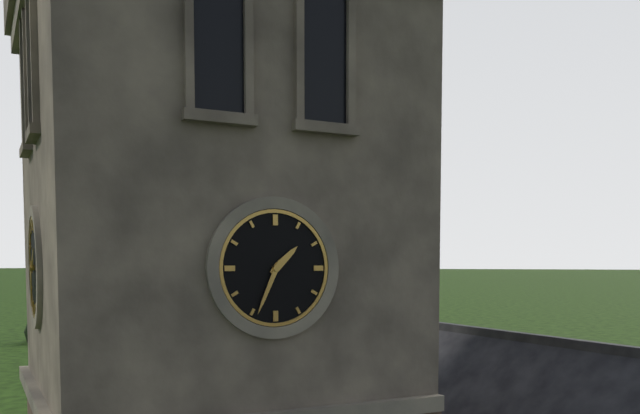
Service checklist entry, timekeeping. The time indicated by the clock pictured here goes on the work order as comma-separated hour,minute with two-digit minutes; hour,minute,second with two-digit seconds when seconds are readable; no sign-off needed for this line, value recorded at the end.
1,34
